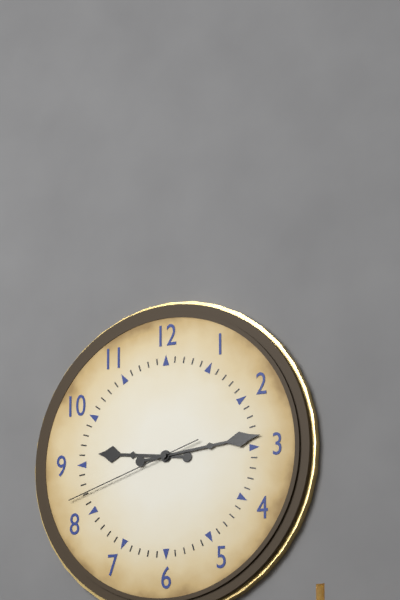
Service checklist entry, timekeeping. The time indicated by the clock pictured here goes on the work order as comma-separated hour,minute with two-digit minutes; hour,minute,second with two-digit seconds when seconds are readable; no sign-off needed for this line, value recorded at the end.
9,14,42
